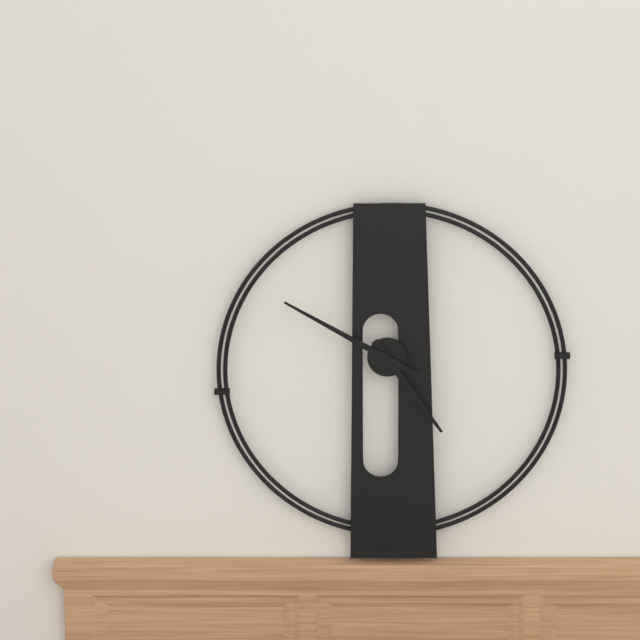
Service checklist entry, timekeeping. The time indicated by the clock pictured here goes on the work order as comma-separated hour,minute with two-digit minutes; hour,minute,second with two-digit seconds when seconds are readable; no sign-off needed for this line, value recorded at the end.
4,50
